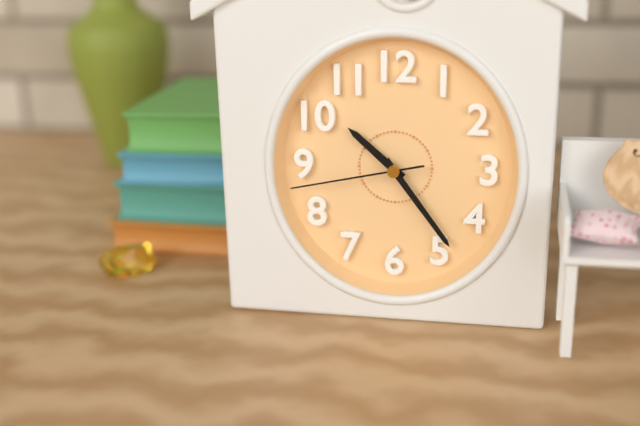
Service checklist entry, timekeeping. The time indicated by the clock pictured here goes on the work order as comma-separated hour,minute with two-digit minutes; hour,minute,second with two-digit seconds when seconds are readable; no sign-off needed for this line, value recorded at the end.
10,24,43
